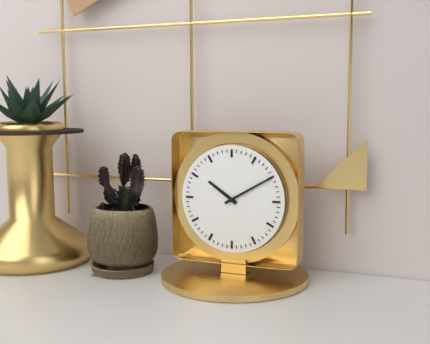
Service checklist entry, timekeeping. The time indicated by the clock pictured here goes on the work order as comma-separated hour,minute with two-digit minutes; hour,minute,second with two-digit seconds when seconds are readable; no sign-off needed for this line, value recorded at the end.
10,10
